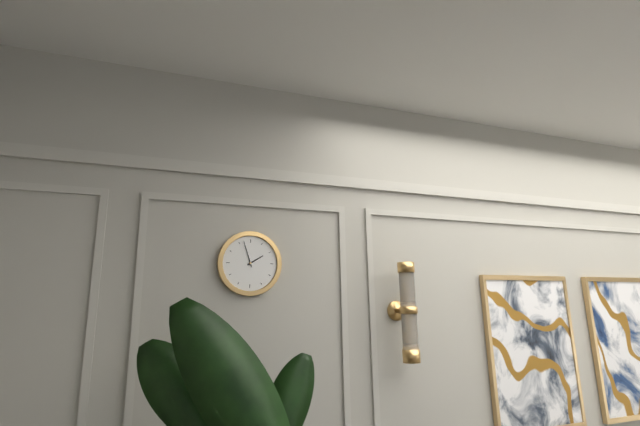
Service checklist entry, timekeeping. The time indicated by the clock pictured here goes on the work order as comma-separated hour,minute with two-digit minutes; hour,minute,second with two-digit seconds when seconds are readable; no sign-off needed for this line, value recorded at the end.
1,57
